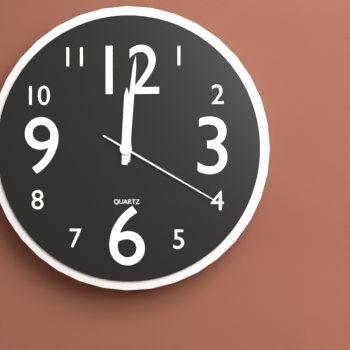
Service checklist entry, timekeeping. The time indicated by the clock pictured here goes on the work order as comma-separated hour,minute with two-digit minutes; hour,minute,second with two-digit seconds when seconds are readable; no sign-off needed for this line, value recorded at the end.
12,01,20
